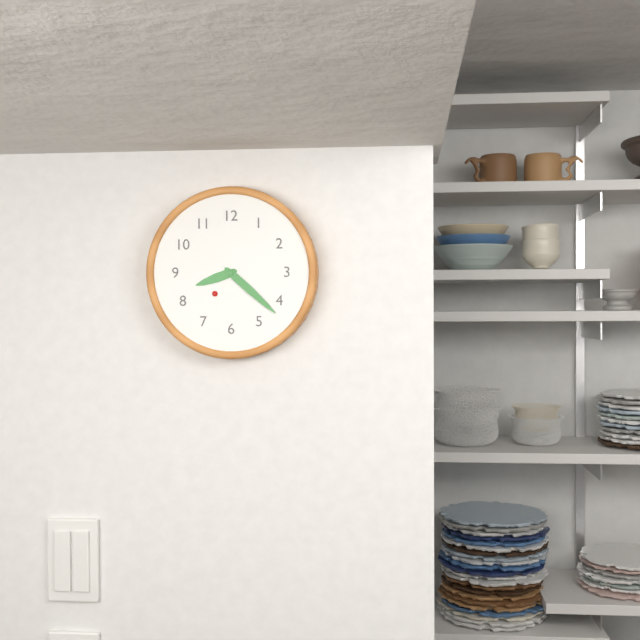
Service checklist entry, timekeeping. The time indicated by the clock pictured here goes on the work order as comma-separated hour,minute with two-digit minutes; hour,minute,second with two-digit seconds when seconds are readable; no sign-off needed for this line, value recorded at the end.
8,22
